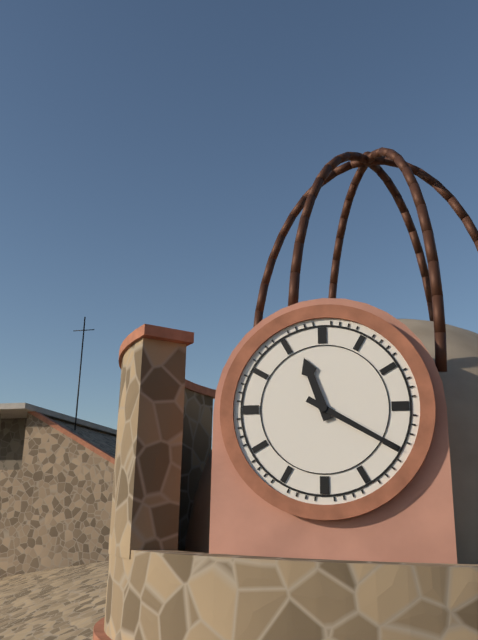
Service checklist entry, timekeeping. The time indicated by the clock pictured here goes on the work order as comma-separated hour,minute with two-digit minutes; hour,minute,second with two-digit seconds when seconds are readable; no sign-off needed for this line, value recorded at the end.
11,20
